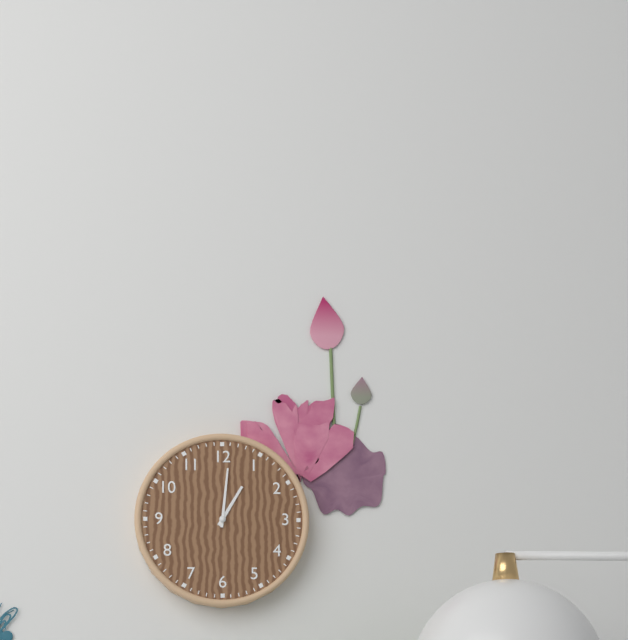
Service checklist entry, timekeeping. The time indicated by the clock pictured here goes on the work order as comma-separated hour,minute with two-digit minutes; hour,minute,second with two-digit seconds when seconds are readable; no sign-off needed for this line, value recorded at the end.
1,01
